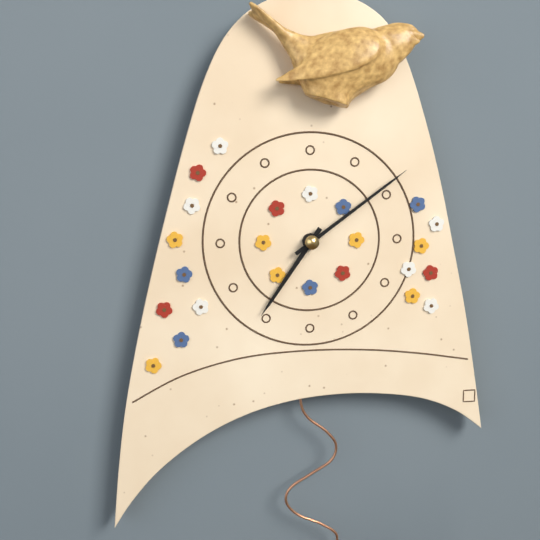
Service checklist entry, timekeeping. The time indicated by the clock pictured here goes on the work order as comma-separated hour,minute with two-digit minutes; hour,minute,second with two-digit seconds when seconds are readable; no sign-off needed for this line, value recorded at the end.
7,09
